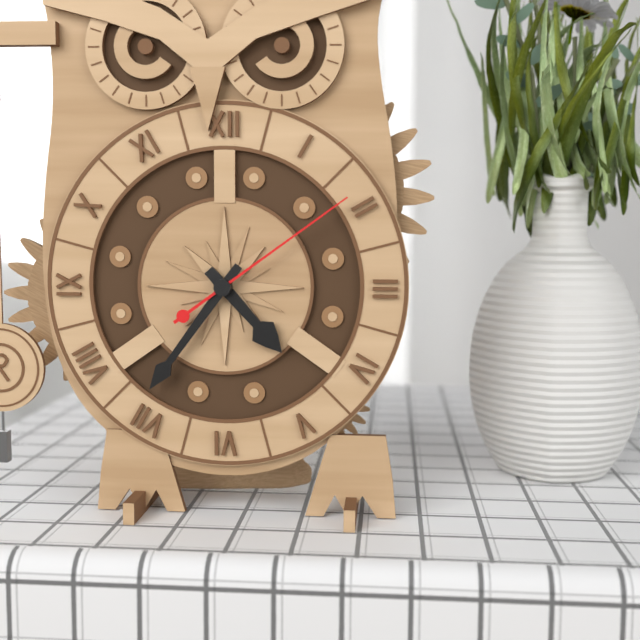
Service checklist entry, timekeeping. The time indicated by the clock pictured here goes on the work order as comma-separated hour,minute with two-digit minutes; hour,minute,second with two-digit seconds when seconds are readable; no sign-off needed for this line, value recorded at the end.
4,36,09
